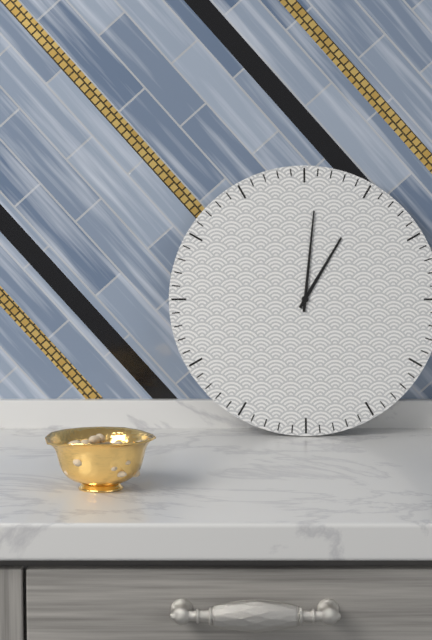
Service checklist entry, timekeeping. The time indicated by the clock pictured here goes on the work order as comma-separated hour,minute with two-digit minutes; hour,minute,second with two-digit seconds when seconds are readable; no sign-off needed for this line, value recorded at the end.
1,01
